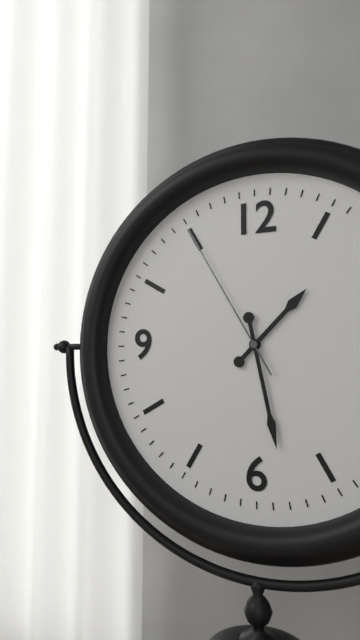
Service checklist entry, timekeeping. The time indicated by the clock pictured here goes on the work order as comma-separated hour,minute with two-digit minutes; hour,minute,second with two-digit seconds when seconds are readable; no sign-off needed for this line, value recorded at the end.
1,28,55
